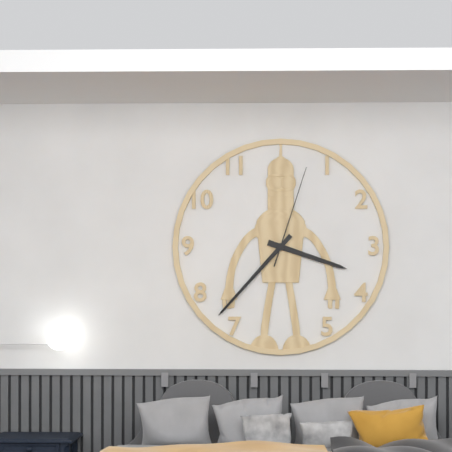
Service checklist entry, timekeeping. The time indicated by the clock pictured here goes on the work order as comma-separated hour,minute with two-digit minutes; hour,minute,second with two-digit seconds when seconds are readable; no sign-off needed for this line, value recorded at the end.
3,37,03
